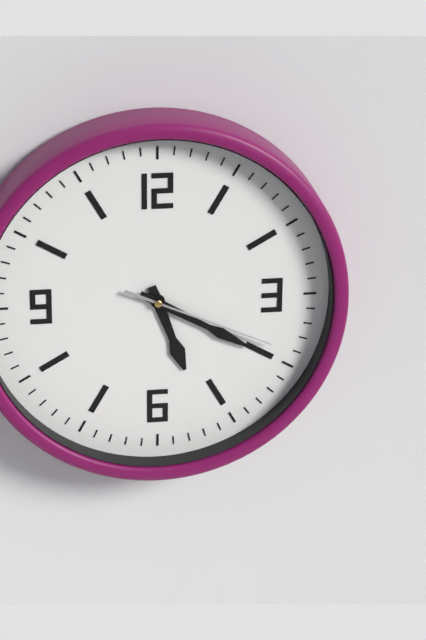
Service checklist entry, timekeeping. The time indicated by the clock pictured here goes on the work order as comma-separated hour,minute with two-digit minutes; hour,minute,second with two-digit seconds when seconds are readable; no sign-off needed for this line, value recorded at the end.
5,20,19
